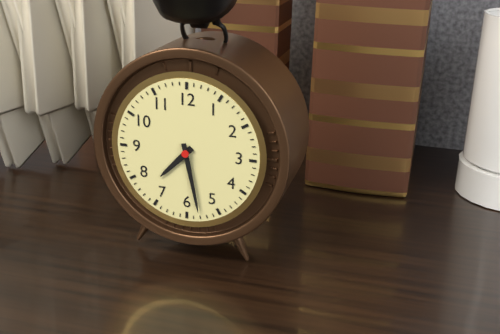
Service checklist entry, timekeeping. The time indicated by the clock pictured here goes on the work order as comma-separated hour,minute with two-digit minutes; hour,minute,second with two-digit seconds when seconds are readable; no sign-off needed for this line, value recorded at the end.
7,28
